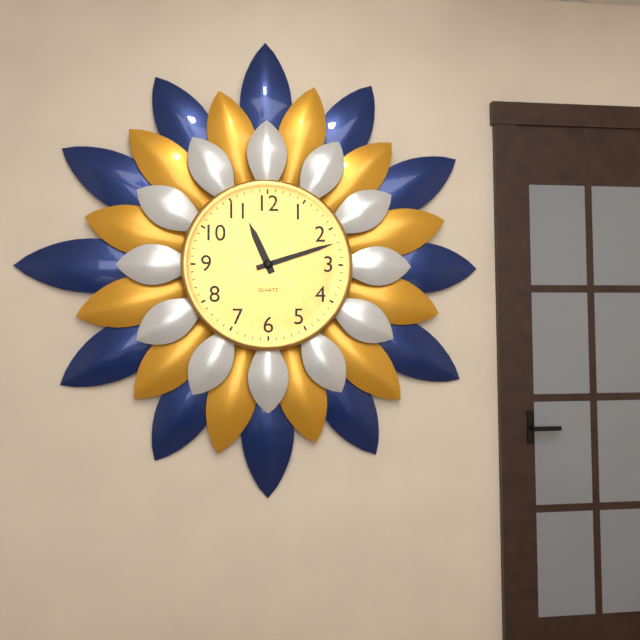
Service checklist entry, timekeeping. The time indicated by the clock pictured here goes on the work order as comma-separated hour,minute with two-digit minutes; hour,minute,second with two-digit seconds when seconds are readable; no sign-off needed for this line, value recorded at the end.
11,12
